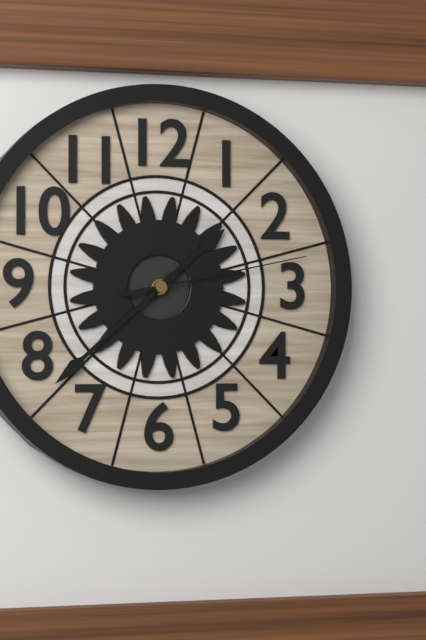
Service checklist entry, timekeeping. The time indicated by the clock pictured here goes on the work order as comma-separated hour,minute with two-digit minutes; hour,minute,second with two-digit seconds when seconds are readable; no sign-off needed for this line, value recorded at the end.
1,38,13
